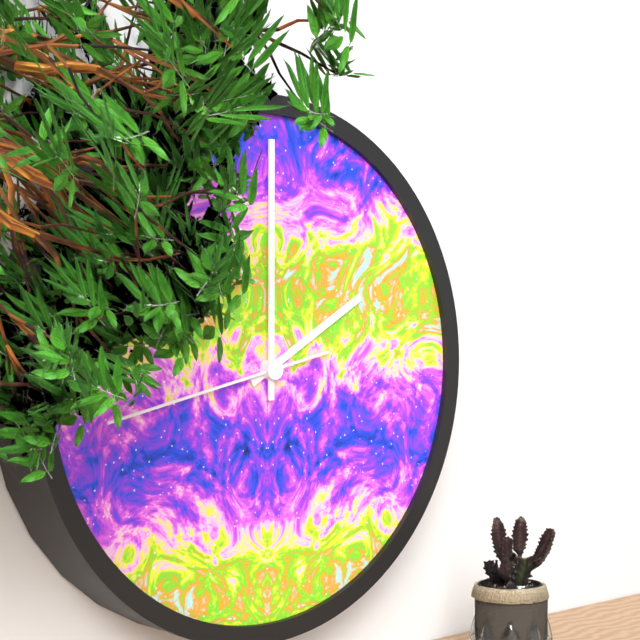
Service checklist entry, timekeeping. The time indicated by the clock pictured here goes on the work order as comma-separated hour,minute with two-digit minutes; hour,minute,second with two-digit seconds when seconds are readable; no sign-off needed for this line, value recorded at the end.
2,00,43
